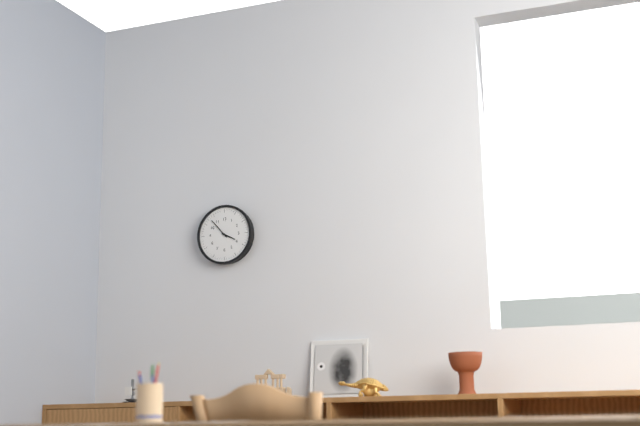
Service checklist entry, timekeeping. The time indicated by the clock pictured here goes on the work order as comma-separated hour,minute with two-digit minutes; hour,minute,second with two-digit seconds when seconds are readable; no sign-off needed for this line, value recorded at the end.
3,53
